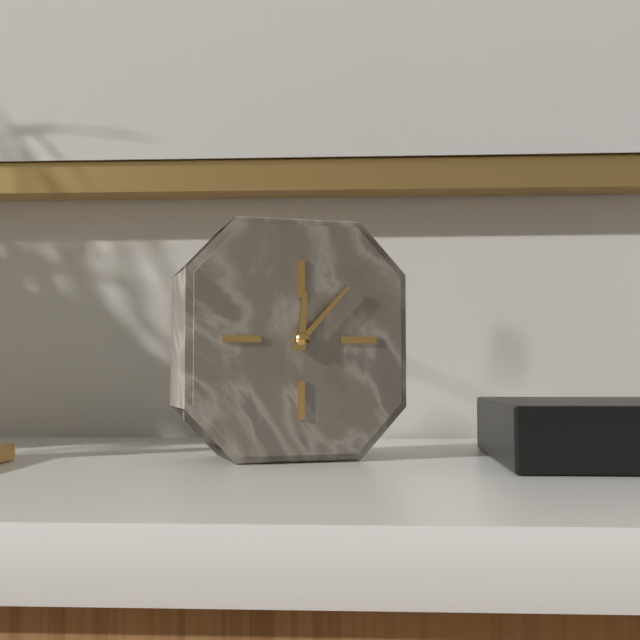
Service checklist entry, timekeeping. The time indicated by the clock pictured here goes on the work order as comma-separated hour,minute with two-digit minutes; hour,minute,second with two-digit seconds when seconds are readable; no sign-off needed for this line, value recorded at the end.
12,07
